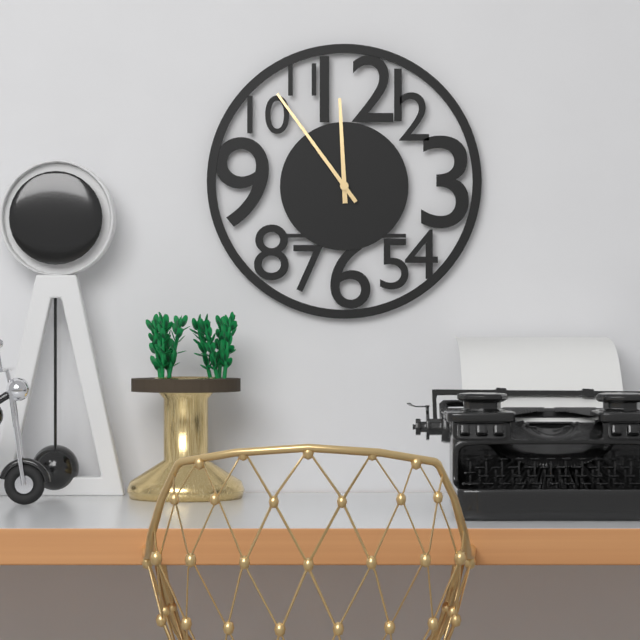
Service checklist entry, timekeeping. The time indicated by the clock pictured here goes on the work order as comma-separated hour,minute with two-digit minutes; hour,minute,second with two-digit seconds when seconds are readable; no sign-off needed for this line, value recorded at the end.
11,54
